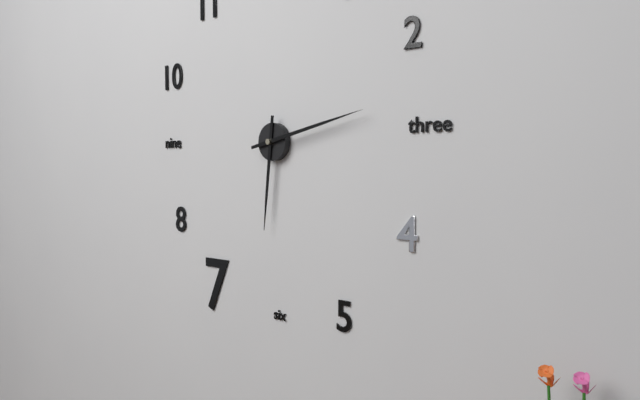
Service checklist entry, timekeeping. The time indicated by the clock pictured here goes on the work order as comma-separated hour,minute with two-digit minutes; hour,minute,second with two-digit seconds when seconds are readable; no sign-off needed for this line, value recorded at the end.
6,13
